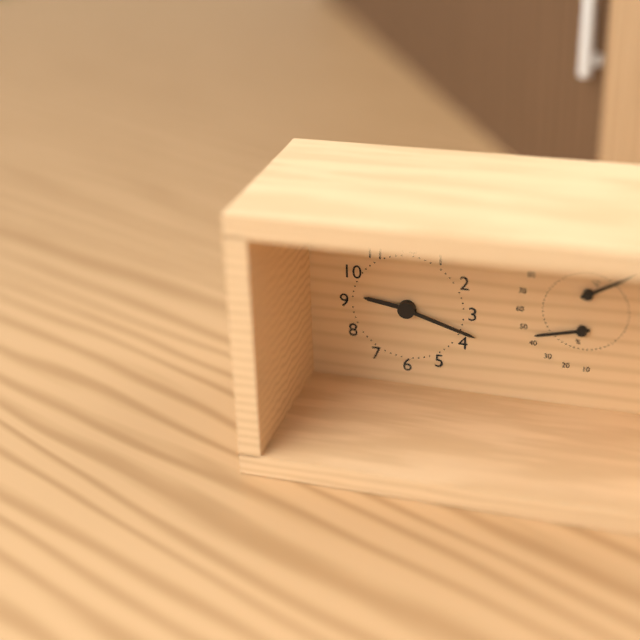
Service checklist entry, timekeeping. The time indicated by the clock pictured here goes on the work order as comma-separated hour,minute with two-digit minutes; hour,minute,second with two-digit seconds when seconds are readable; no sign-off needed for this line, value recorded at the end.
9,18
